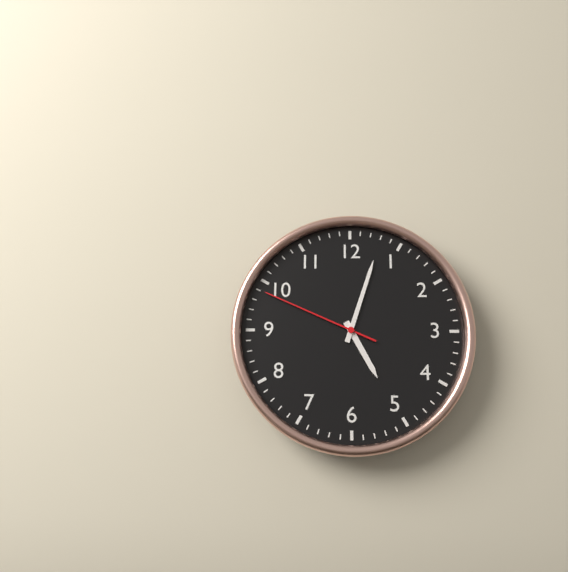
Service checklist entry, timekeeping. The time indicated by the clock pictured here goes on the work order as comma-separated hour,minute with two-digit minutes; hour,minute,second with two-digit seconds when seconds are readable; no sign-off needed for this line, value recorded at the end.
5,03,49
